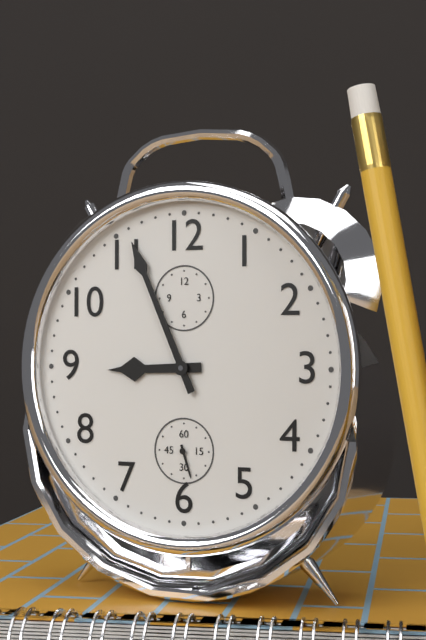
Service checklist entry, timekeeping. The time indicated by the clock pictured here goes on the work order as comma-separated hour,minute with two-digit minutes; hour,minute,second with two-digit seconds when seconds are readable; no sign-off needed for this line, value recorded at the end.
8,56
